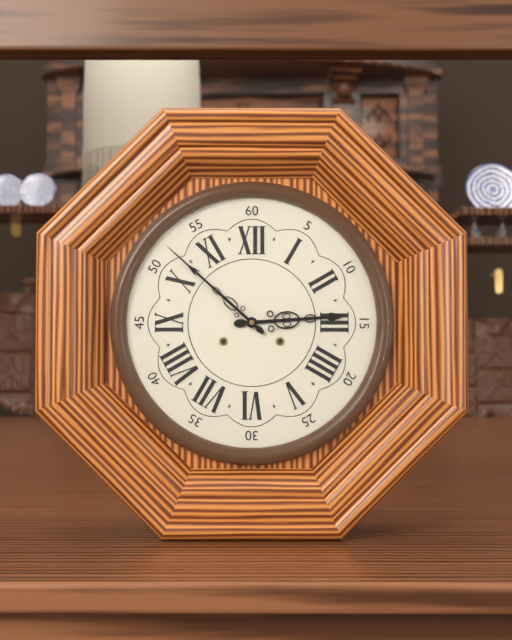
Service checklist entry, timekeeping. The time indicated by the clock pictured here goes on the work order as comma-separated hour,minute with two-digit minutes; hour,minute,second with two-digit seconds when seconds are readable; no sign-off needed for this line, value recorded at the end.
2,52
